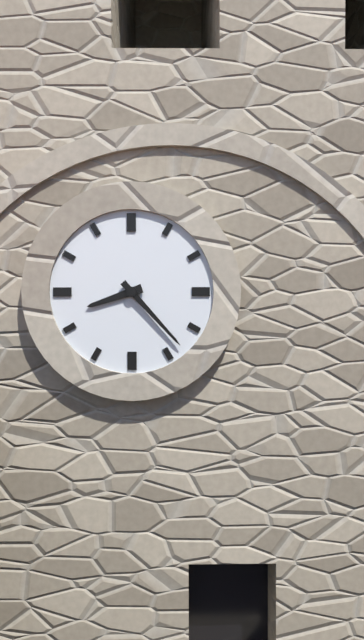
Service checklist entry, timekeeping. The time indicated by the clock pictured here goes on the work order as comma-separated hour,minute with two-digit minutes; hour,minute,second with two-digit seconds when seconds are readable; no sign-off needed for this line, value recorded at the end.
8,23
